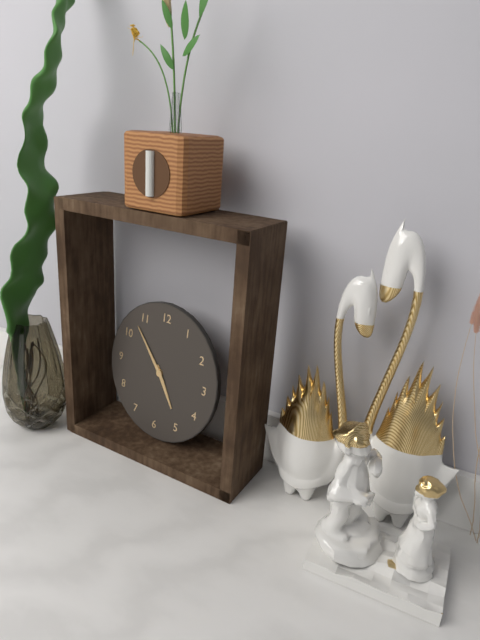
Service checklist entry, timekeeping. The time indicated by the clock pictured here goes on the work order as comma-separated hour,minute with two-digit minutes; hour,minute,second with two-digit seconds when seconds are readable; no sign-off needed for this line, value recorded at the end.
4,53
